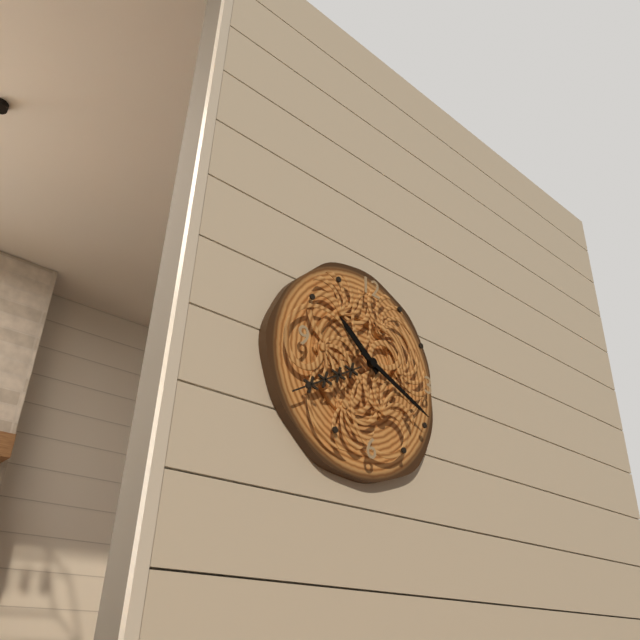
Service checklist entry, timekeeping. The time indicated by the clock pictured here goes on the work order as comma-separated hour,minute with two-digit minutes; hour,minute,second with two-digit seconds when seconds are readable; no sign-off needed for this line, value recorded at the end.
10,19
